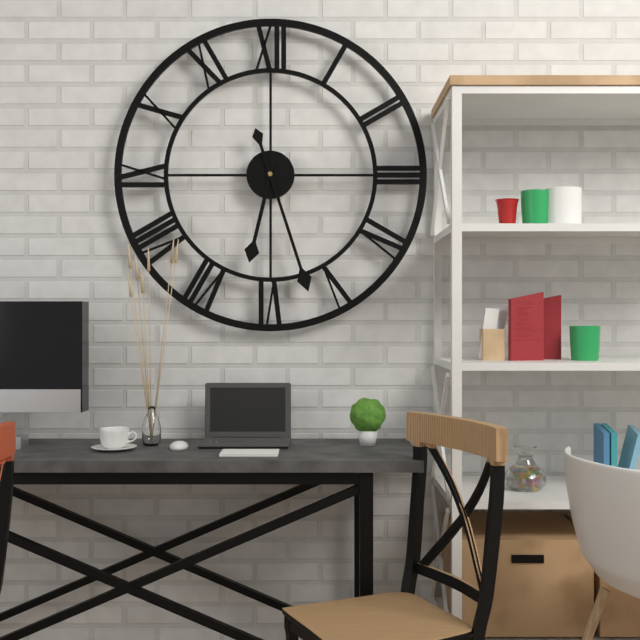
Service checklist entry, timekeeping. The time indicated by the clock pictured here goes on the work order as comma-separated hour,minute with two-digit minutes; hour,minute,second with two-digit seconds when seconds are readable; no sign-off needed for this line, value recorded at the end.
6,27
